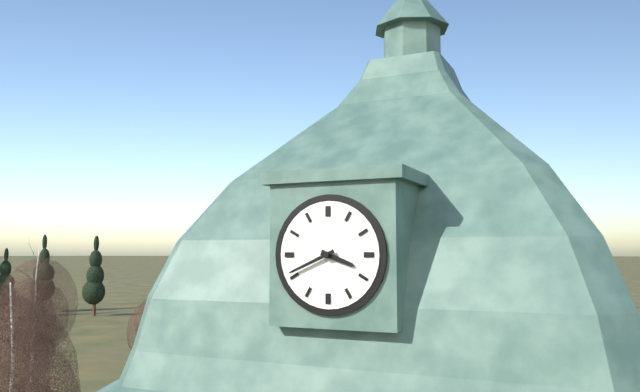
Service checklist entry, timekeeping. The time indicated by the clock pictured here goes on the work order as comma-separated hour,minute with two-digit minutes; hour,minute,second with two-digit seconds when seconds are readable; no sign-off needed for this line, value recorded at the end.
3,41
